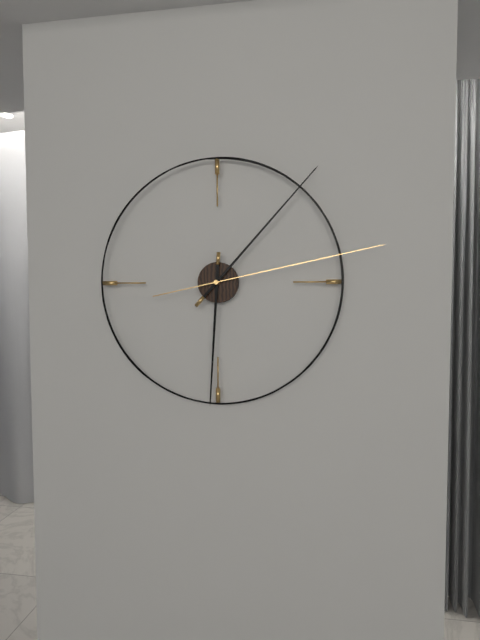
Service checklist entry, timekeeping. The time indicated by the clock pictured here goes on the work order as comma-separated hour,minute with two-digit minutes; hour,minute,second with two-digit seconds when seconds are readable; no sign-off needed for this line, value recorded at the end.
6,07,13
